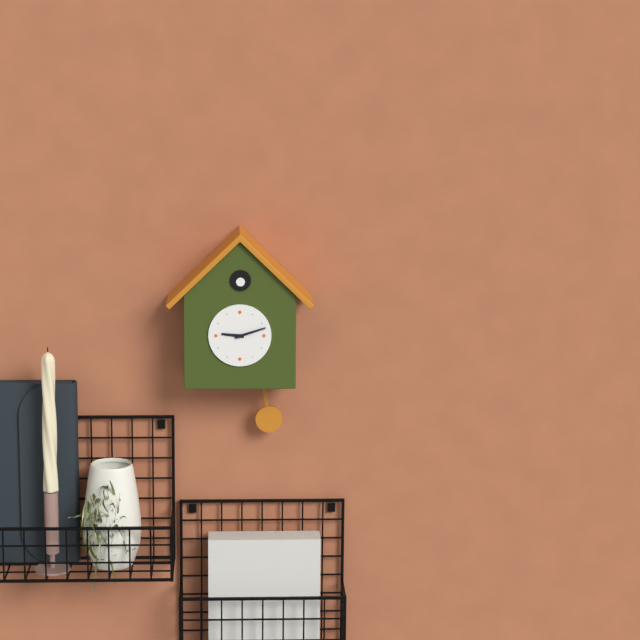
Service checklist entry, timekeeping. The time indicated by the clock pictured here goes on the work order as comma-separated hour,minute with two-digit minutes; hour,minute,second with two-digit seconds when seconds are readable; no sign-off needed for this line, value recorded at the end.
9,12
